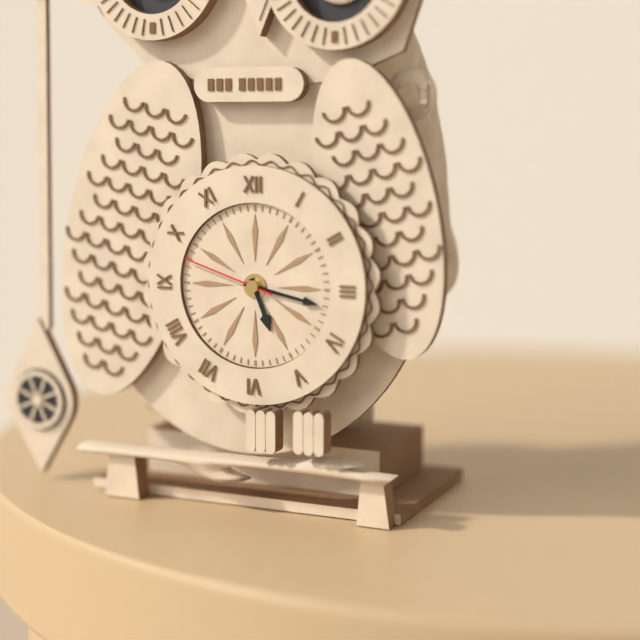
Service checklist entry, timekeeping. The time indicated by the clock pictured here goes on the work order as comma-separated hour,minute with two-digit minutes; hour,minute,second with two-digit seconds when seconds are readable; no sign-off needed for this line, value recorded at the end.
5,17,48
